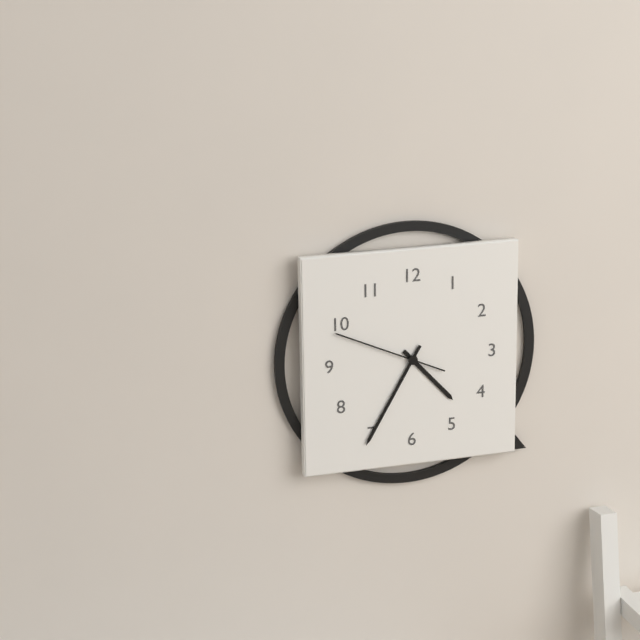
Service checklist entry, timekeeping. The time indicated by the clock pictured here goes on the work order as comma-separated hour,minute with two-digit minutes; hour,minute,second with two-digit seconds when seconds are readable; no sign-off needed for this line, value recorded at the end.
4,35,49
